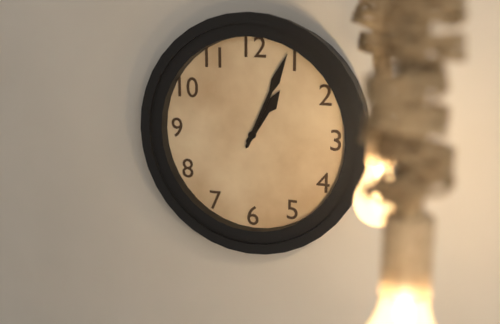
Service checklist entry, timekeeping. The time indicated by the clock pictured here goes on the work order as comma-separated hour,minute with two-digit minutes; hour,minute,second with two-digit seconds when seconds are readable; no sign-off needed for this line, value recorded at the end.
1,04
